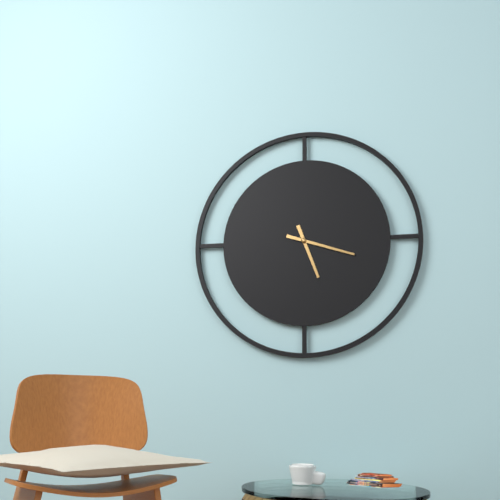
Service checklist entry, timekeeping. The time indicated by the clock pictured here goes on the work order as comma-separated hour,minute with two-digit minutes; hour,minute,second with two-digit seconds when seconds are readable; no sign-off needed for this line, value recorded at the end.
5,18
